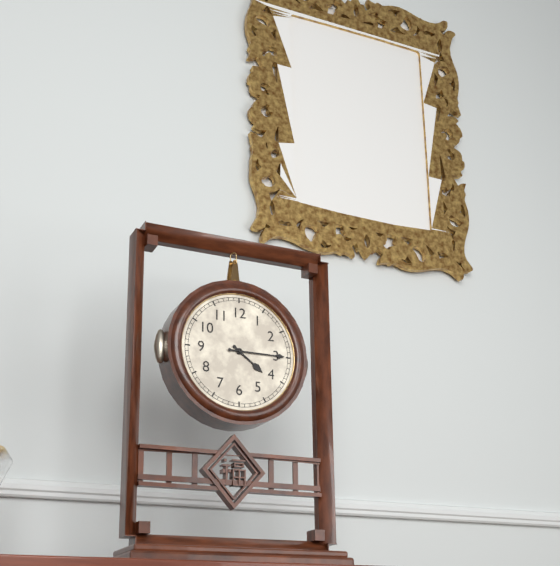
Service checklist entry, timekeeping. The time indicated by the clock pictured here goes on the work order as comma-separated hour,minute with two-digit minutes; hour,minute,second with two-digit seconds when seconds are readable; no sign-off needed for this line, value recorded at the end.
4,15
